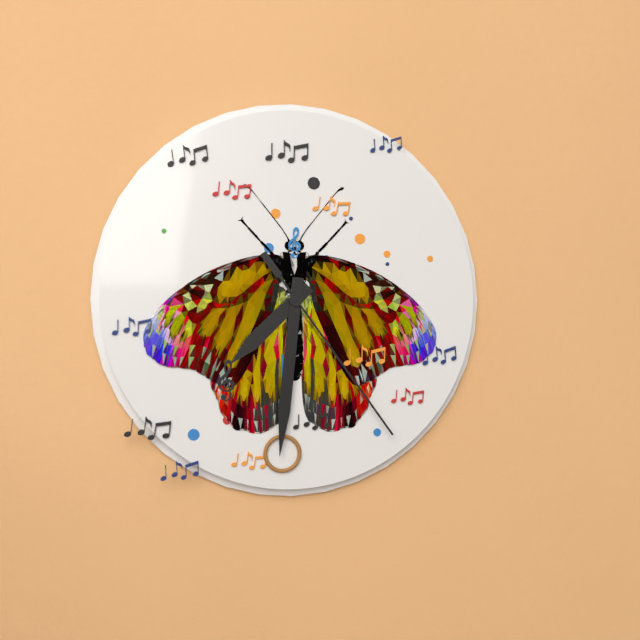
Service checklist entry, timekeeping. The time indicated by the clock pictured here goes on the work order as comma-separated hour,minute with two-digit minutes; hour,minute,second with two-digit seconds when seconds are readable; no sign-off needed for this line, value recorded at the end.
7,31,24
